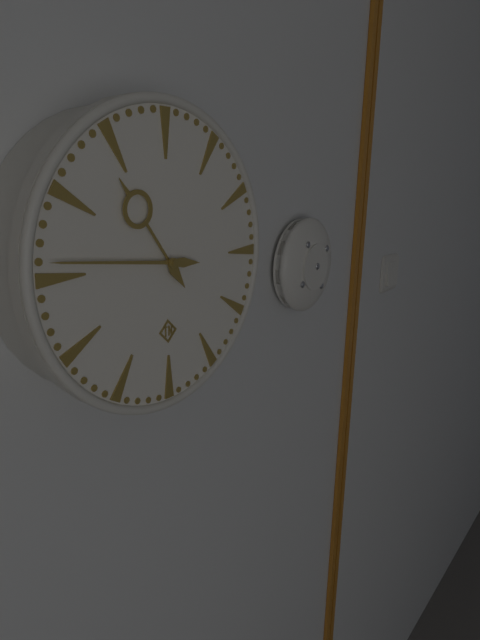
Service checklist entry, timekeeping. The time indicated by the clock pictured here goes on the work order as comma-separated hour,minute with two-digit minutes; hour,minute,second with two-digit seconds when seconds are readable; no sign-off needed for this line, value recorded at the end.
10,46
